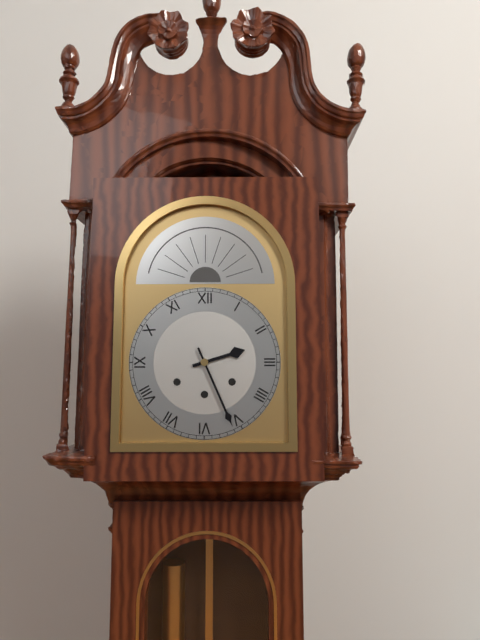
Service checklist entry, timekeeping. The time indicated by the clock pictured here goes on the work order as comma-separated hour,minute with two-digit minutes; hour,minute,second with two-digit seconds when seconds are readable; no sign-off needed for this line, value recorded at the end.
2,26
